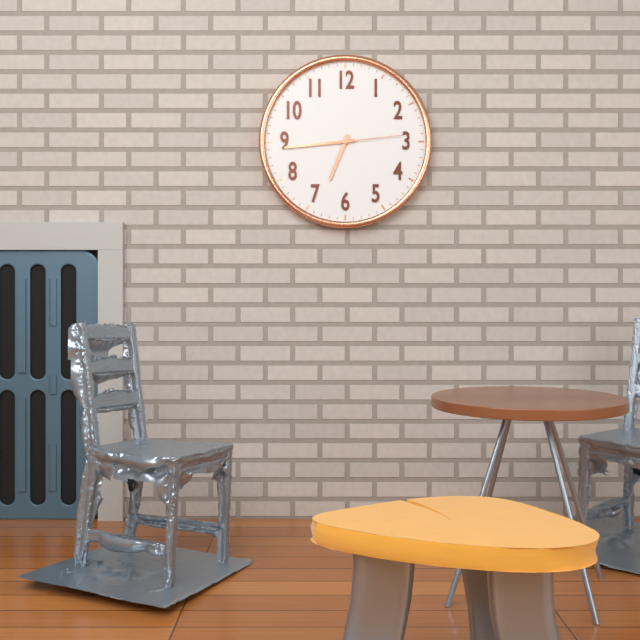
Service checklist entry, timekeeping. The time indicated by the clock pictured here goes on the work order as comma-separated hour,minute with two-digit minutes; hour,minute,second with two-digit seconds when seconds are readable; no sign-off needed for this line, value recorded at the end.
6,44,14
